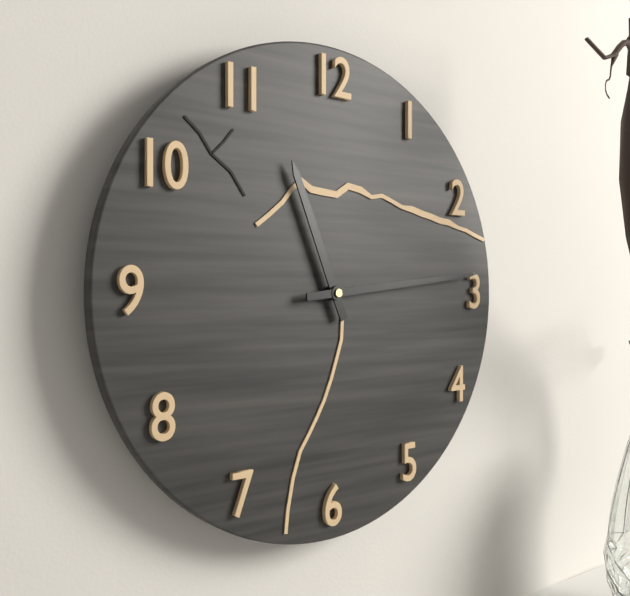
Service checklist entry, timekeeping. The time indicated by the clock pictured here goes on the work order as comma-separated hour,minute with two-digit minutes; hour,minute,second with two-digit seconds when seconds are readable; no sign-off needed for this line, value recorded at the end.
11,14
